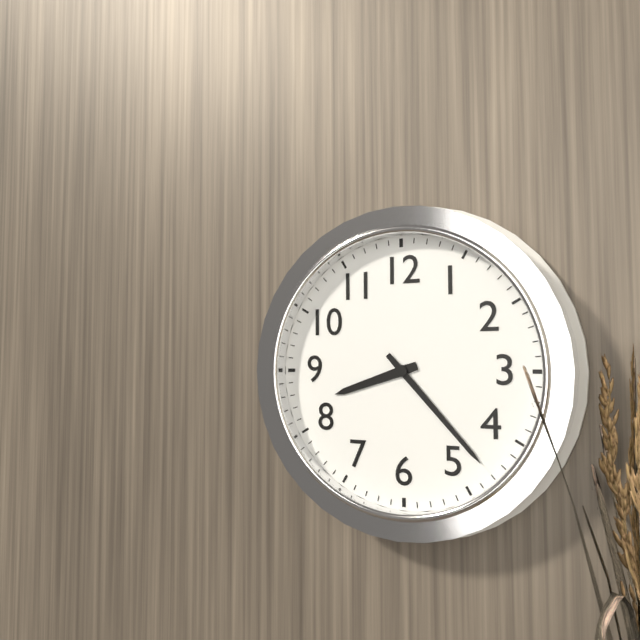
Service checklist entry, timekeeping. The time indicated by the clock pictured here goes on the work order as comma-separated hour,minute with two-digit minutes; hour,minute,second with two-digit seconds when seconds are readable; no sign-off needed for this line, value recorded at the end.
8,23
